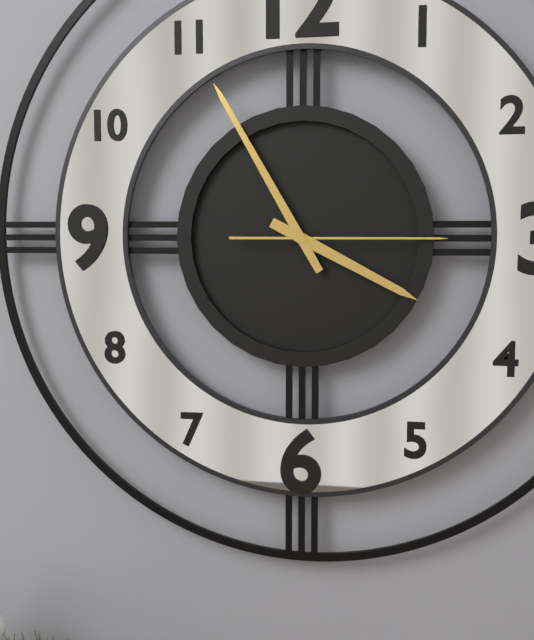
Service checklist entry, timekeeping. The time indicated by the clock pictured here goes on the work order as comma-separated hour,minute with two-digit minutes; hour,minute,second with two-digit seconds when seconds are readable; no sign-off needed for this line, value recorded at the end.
3,55,15
